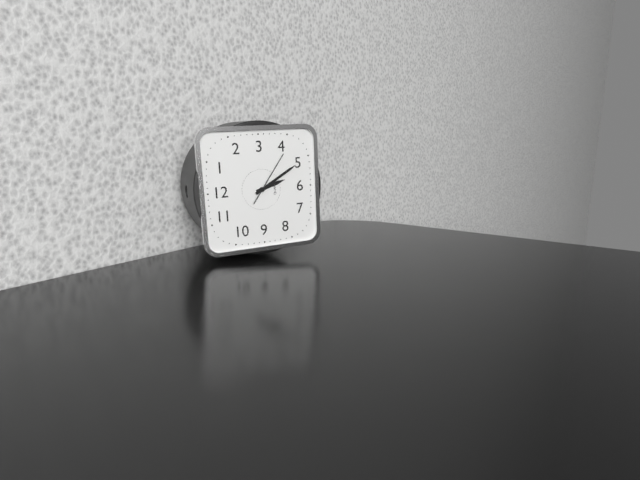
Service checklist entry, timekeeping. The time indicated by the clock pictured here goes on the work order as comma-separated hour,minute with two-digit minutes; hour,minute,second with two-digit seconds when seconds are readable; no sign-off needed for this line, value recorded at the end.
5,25,21
